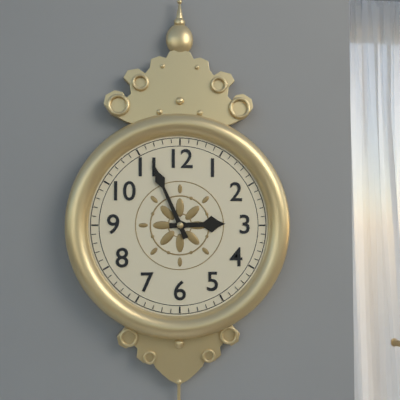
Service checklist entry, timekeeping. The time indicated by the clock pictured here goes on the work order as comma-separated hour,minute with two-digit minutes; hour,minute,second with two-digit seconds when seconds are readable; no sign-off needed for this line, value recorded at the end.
2,56
